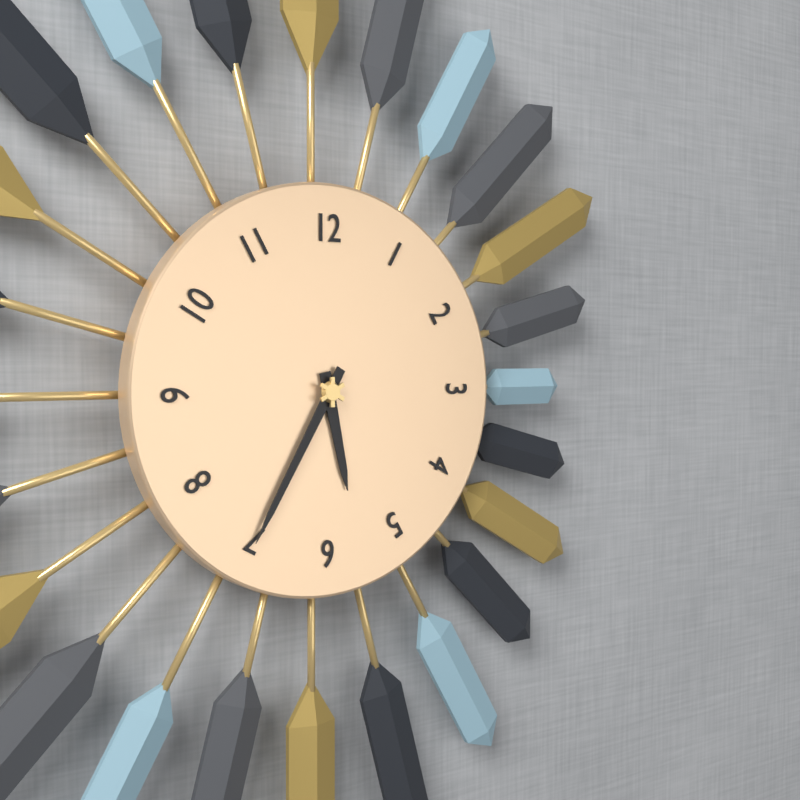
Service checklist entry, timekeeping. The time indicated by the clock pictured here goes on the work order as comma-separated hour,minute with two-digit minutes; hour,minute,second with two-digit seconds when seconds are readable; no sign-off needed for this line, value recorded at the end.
5,35
